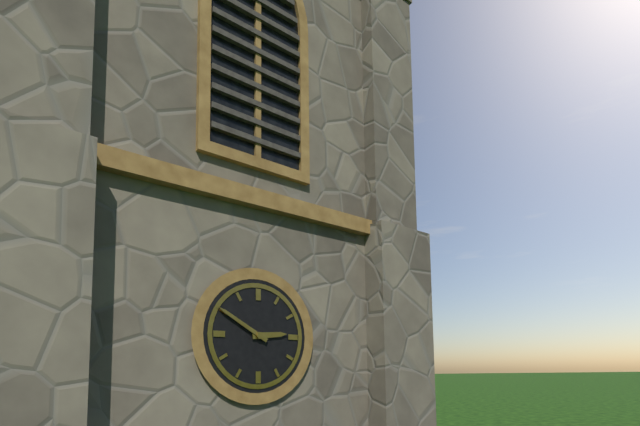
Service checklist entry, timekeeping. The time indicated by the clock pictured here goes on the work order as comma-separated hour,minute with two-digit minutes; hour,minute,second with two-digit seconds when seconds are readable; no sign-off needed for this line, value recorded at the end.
2,50
